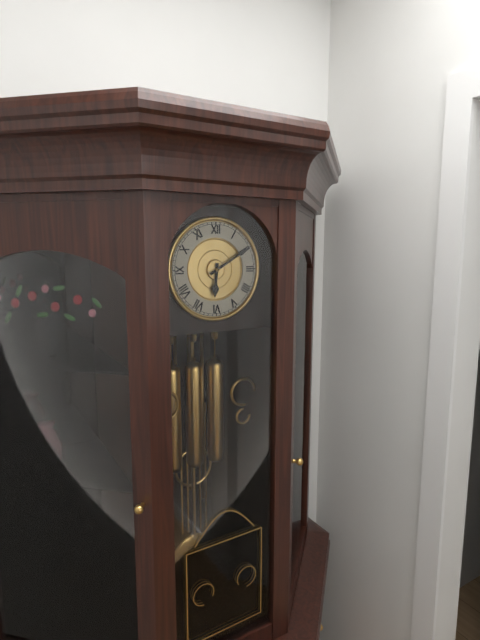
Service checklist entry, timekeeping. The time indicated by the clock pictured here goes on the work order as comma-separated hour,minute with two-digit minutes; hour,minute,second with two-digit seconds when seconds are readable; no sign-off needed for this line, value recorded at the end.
6,10
